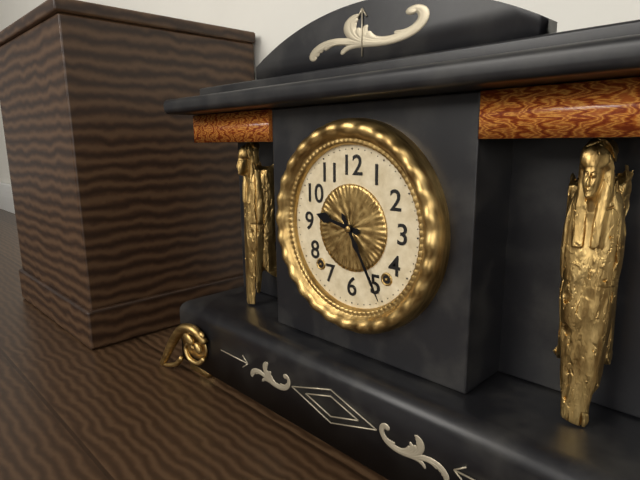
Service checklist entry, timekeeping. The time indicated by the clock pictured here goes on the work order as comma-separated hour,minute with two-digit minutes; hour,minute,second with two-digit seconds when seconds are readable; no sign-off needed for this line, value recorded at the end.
9,25
